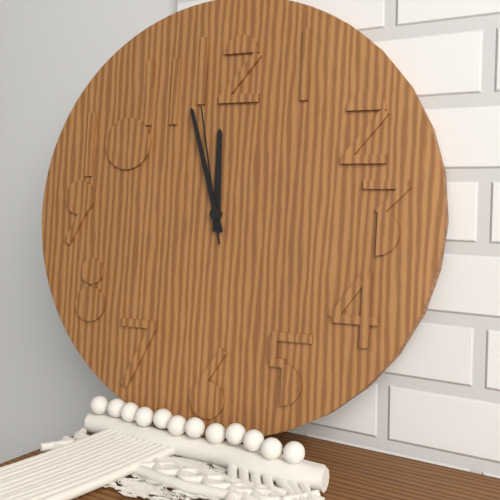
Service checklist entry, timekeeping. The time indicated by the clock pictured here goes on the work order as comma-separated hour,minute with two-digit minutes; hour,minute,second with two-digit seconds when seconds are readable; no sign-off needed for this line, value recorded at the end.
11,57,58
